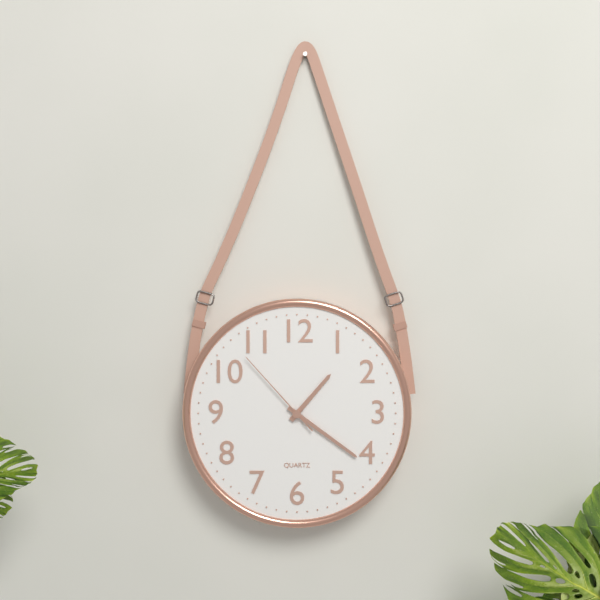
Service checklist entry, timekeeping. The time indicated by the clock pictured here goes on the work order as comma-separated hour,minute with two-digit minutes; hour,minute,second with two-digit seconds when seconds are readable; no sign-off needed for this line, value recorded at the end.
1,21,53
